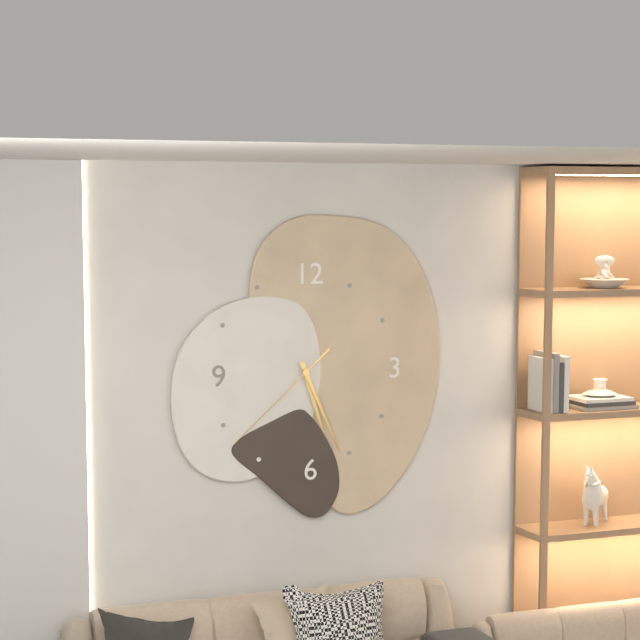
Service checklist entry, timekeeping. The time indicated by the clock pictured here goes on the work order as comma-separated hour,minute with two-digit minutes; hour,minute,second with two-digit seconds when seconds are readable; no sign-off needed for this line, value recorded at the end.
5,26,38
